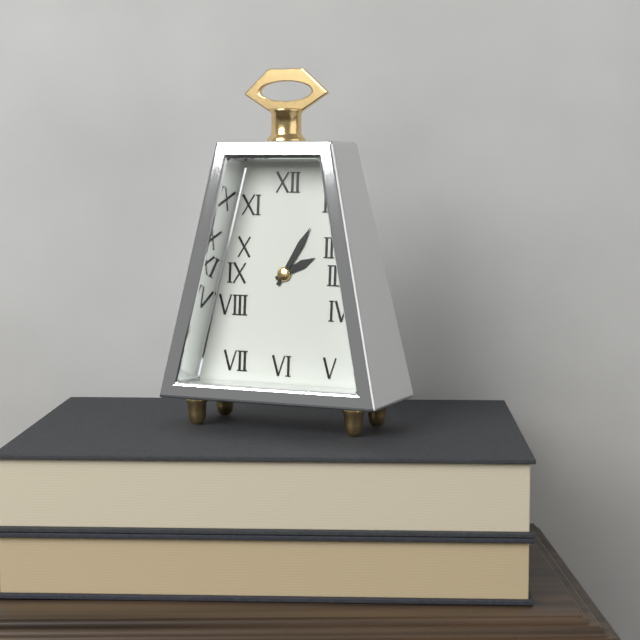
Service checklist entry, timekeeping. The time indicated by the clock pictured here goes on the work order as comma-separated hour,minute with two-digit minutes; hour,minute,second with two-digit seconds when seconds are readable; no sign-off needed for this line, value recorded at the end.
2,05
